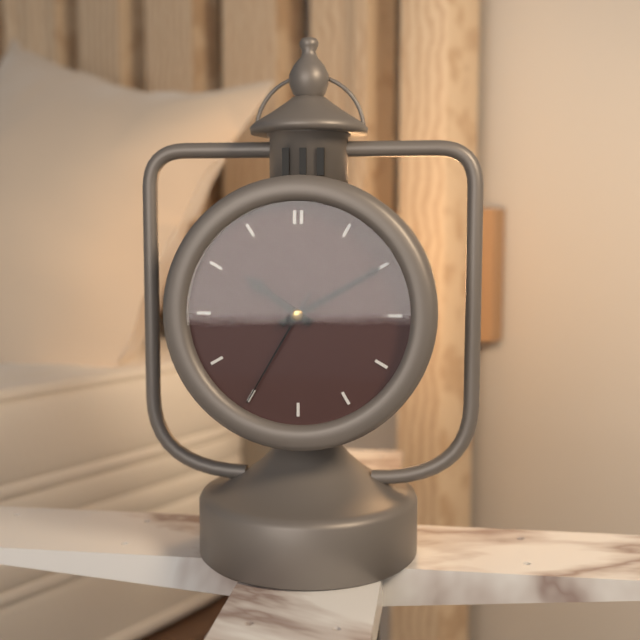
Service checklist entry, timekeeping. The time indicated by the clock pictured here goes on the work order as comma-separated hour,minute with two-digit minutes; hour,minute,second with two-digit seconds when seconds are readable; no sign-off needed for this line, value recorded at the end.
10,10,35
